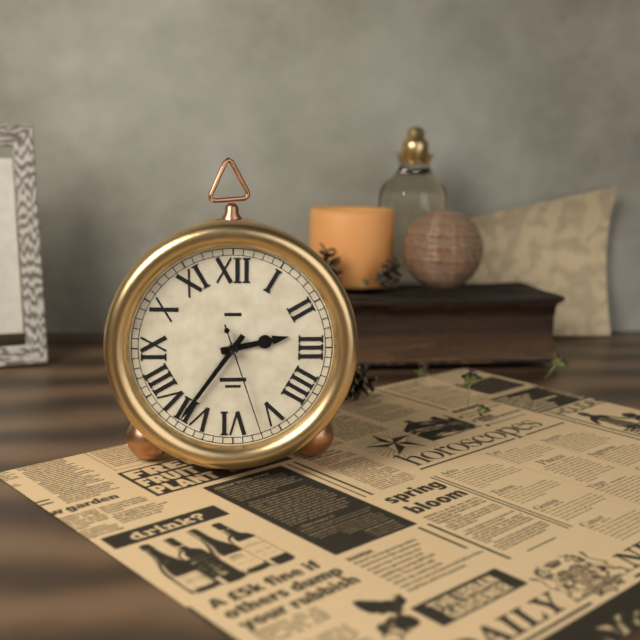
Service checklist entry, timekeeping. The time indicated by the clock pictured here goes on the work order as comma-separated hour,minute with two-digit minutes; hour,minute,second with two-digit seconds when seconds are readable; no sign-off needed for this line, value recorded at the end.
2,36,27
